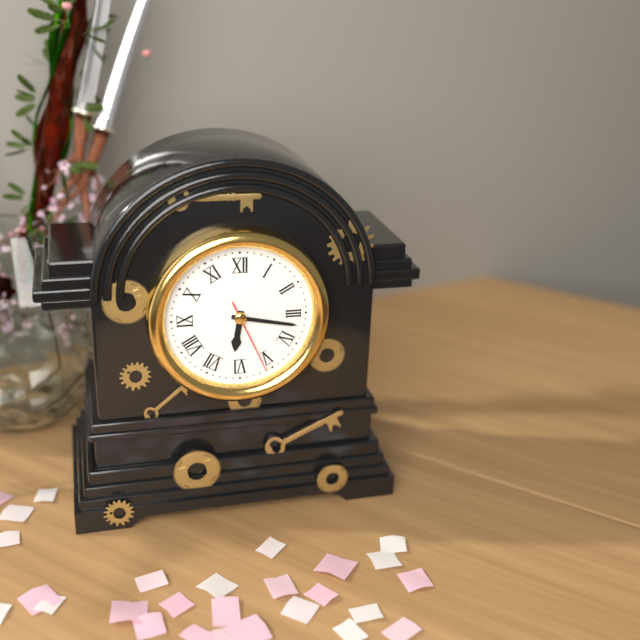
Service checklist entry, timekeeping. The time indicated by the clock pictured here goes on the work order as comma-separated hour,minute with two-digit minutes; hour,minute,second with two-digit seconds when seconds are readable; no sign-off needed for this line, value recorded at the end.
6,17,26
